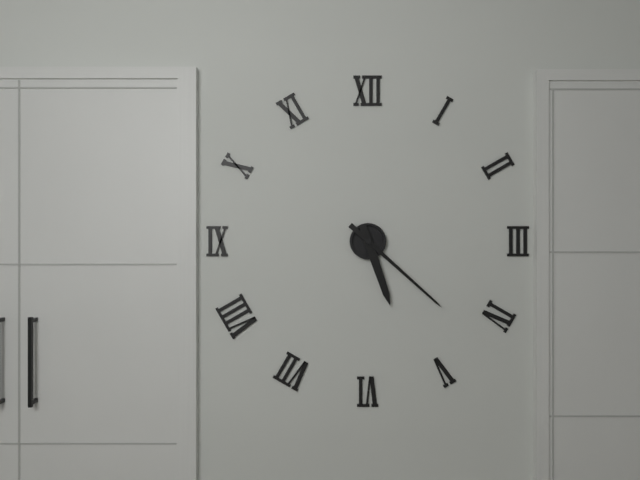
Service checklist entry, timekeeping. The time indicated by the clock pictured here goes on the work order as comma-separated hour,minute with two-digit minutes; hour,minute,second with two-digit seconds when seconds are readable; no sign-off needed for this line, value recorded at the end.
5,22
